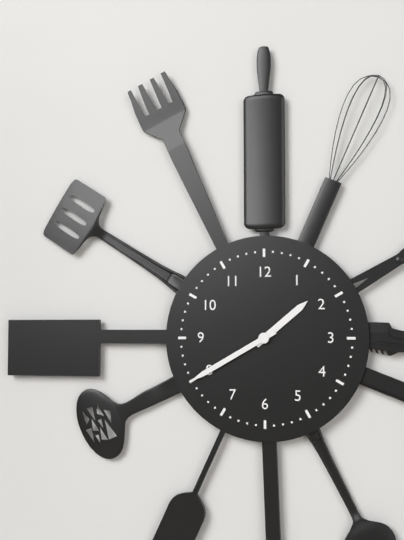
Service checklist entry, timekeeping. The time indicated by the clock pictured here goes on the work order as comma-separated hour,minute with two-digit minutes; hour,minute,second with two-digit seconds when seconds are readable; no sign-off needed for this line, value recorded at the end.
1,40
